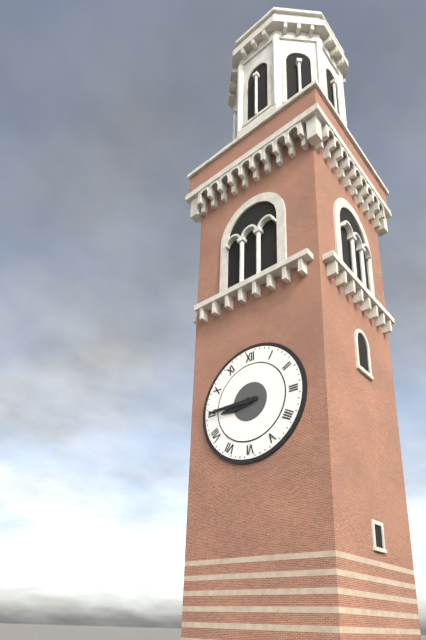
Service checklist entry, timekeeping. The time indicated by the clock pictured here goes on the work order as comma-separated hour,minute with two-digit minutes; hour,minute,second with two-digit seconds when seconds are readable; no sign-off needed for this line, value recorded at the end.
8,45
